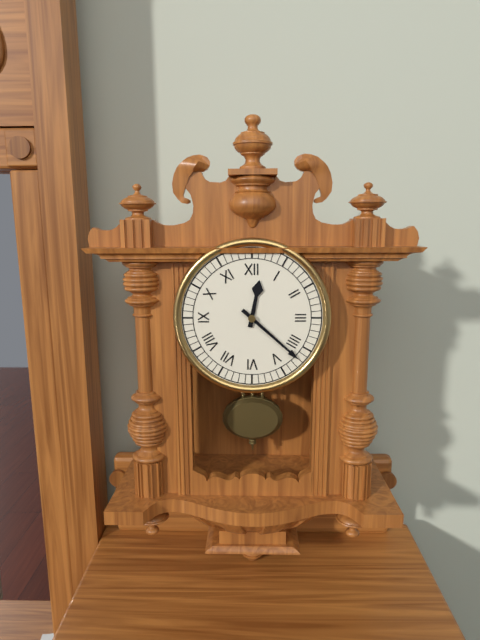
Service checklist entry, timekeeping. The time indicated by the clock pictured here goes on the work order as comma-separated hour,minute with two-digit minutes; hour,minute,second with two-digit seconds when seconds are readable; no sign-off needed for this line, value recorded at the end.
12,22
